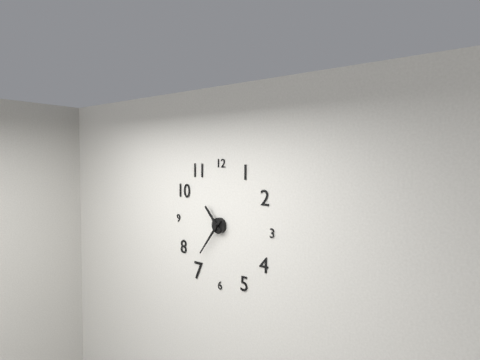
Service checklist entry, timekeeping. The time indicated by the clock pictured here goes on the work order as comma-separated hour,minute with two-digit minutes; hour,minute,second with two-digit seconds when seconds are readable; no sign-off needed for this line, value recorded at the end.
10,36
